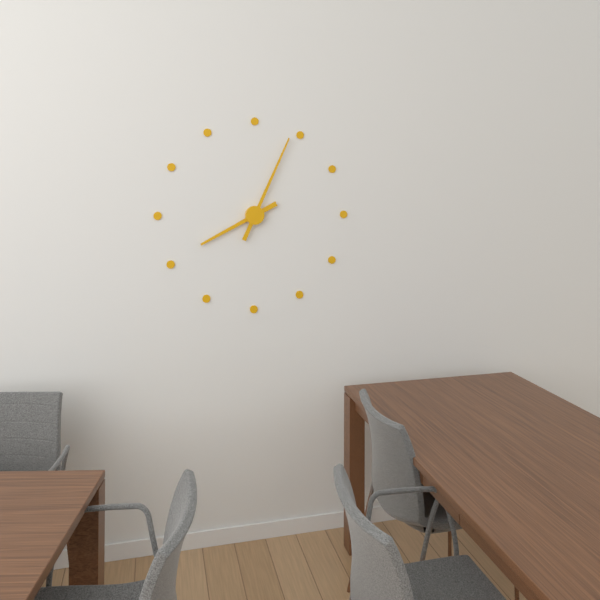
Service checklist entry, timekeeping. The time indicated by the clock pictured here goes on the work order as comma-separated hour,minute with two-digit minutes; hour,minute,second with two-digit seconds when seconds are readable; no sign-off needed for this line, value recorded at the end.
8,04
